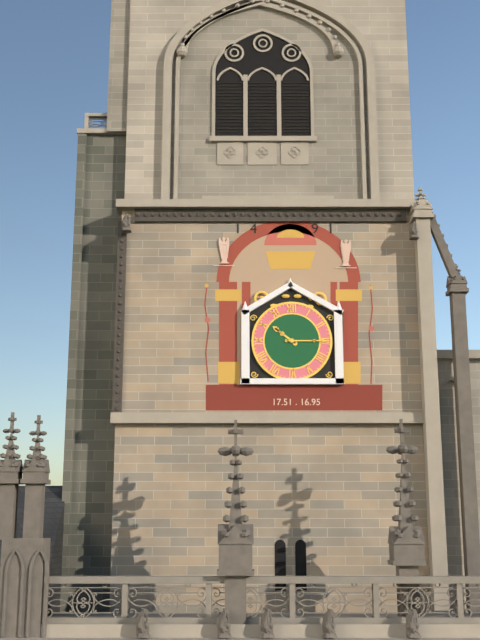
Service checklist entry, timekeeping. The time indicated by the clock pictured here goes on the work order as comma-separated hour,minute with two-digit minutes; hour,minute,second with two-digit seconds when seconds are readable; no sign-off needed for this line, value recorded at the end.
10,15
